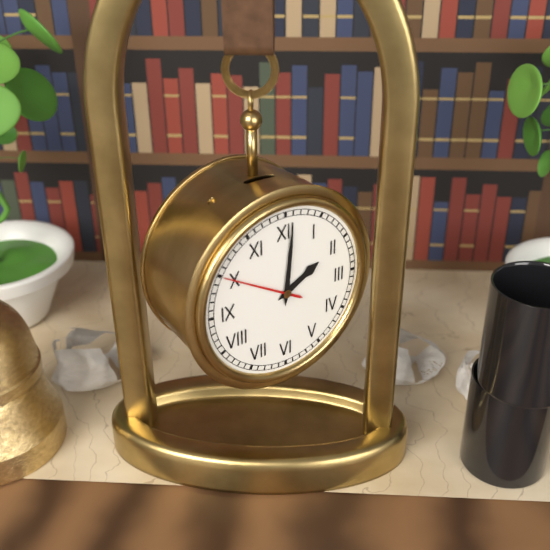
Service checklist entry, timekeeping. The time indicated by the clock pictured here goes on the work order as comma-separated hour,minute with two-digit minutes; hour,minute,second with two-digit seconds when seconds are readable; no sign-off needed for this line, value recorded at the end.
2,01,50
